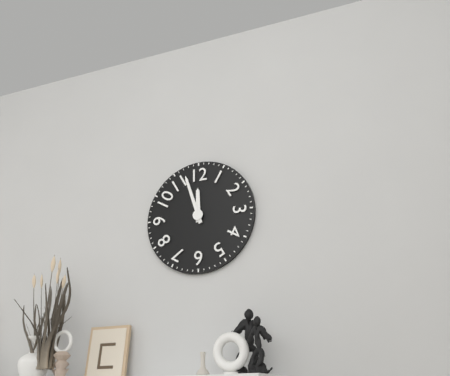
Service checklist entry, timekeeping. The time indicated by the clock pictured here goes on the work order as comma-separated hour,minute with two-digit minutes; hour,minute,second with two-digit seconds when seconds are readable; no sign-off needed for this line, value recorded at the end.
11,57
